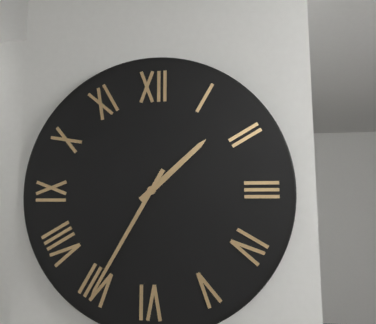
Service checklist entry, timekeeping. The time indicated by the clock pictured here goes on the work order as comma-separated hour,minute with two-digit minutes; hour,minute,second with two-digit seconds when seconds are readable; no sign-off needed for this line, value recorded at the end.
1,35
